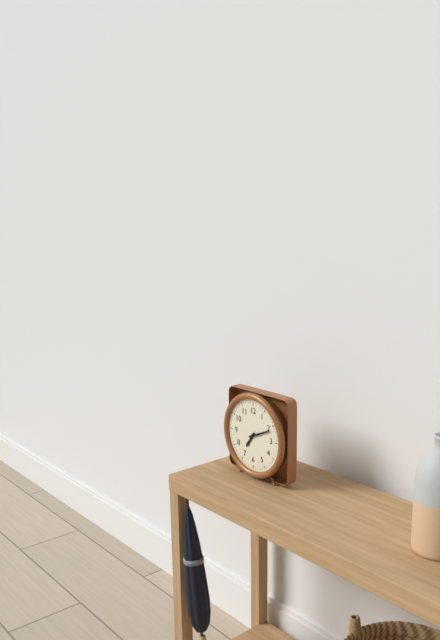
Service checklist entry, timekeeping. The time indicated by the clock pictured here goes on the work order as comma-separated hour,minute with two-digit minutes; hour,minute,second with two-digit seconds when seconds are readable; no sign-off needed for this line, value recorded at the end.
7,11
